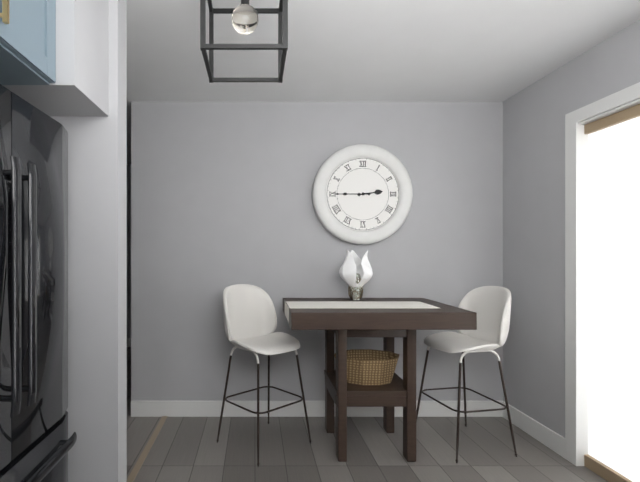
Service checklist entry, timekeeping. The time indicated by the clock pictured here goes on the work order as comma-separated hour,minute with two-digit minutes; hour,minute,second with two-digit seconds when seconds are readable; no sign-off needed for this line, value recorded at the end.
2,45
